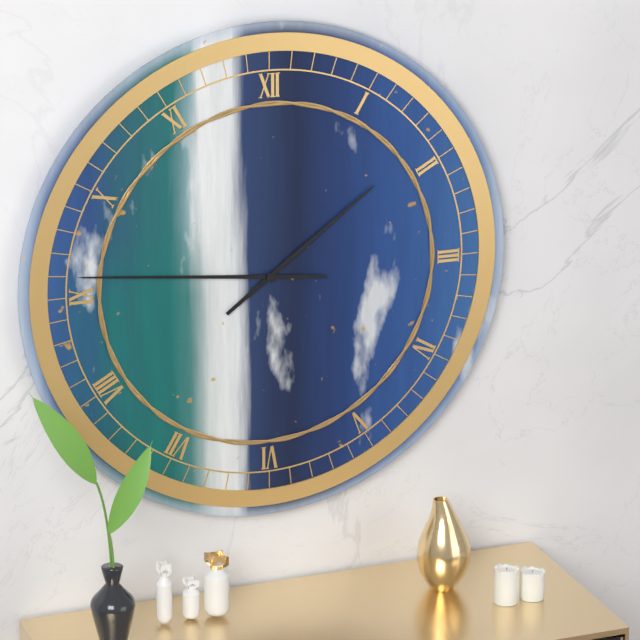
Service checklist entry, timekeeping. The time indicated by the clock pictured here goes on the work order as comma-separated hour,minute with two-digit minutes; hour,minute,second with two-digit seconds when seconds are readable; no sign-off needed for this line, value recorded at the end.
1,46
